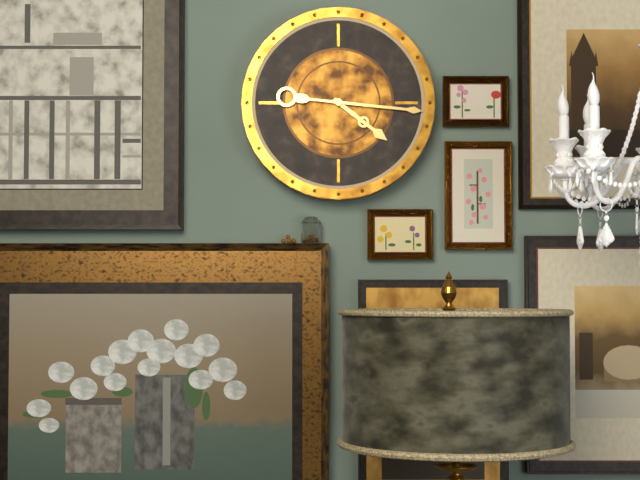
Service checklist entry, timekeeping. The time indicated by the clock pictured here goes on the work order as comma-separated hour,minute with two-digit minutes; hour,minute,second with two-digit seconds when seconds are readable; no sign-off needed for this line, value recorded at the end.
4,16
